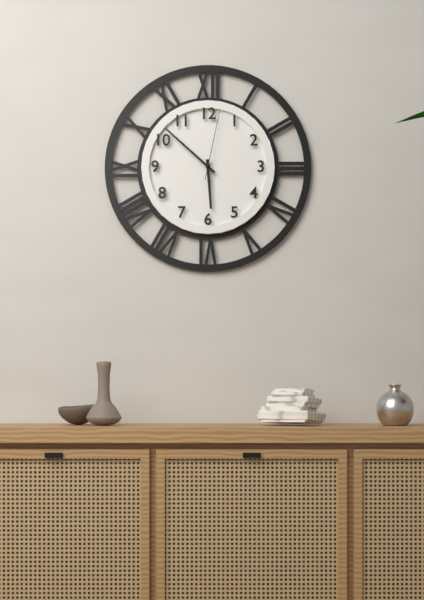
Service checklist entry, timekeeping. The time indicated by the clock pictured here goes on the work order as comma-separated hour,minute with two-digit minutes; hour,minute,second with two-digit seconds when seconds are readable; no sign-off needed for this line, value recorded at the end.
5,52,02
